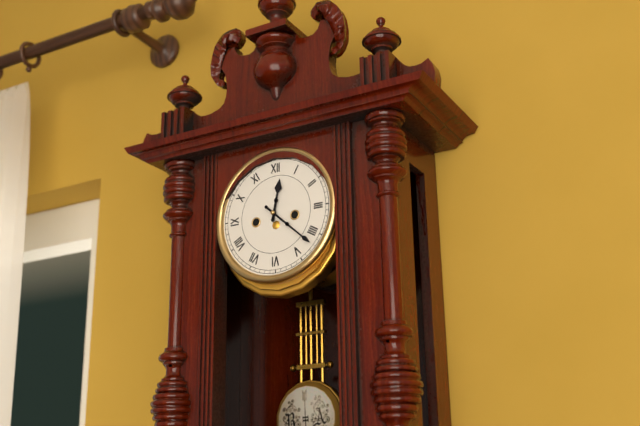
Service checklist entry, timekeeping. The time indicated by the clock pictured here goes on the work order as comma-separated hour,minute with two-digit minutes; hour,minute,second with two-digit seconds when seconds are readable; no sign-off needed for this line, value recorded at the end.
12,22
